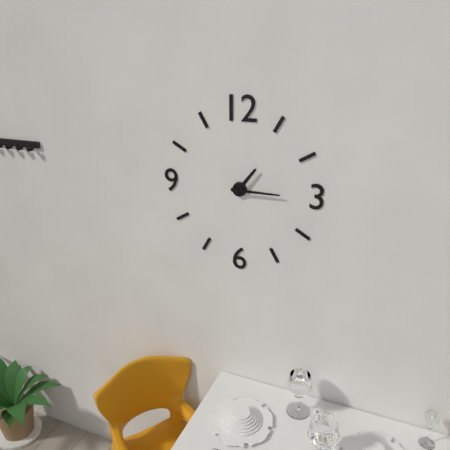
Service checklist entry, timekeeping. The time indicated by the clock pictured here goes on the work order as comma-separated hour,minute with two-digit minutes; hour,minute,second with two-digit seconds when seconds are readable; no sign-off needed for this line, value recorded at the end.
1,15
